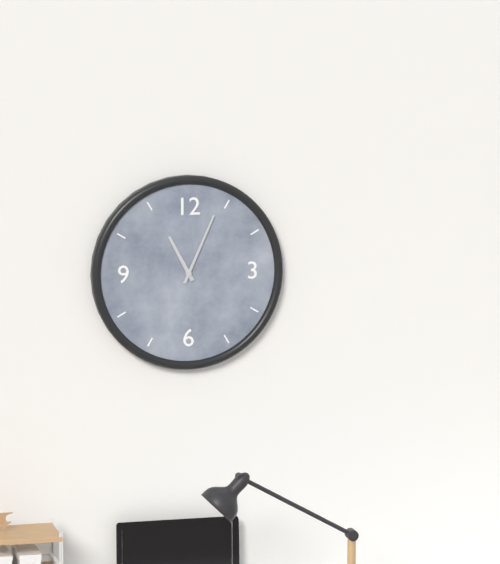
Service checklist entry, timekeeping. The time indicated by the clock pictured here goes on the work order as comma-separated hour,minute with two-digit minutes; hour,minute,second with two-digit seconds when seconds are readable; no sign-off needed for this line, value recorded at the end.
11,04
